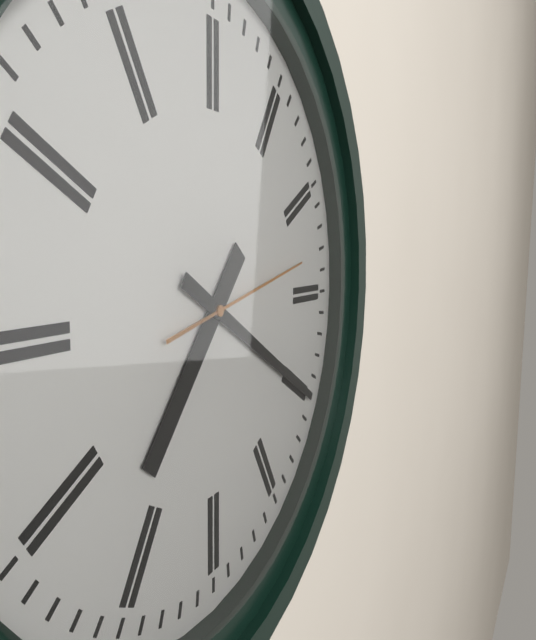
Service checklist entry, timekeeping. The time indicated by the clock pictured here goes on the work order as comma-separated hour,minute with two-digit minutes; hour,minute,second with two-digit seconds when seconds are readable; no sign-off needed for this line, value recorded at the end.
7,20,13
